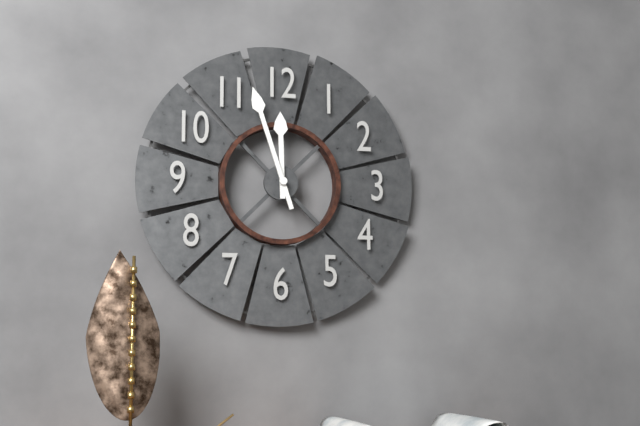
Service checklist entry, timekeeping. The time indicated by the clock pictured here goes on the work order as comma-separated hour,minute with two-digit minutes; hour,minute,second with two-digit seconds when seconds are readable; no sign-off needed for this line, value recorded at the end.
11,57
